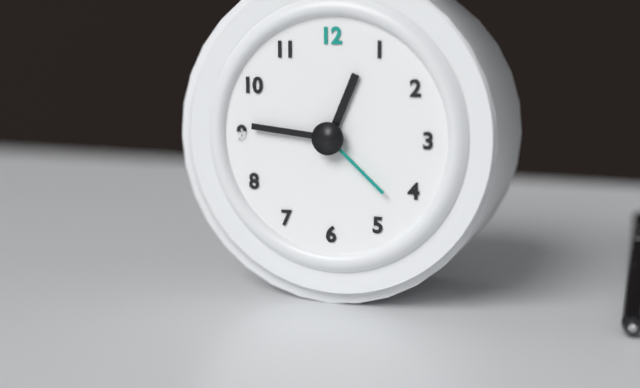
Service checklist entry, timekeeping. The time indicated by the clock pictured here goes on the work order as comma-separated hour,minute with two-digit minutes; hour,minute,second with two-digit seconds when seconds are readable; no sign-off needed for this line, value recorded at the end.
12,46,22
